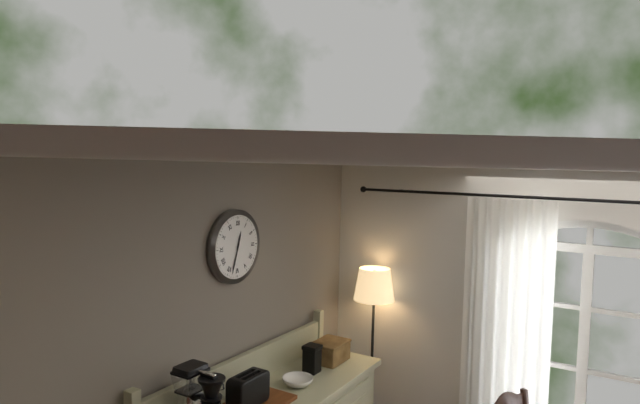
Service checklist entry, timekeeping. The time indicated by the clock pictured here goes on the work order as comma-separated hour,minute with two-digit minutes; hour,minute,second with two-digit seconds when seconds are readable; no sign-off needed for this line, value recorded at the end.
12,33
